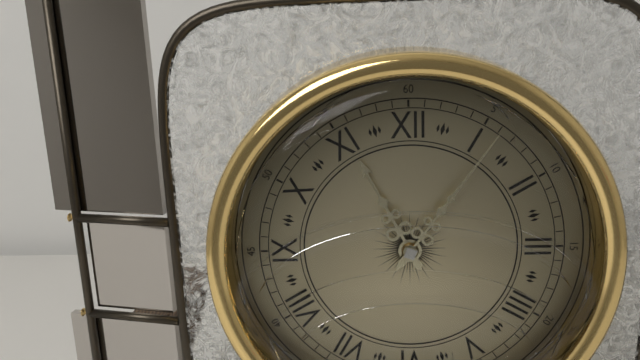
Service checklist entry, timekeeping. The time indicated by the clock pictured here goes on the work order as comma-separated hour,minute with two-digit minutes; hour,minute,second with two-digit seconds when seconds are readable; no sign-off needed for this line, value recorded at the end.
11,06
